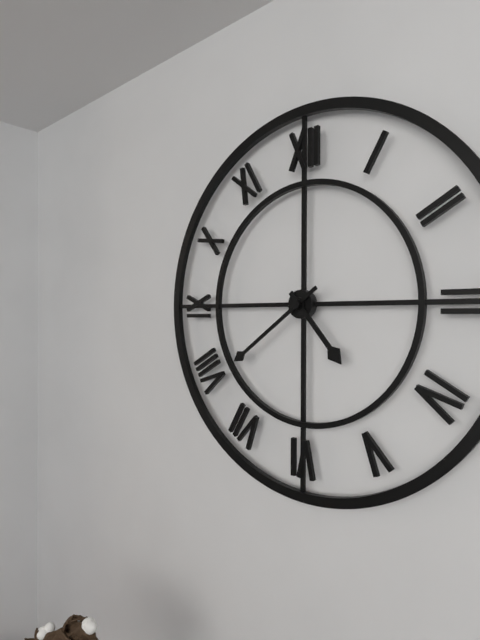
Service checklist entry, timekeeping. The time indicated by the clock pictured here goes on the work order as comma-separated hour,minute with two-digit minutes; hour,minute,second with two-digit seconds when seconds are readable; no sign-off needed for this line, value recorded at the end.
4,39
